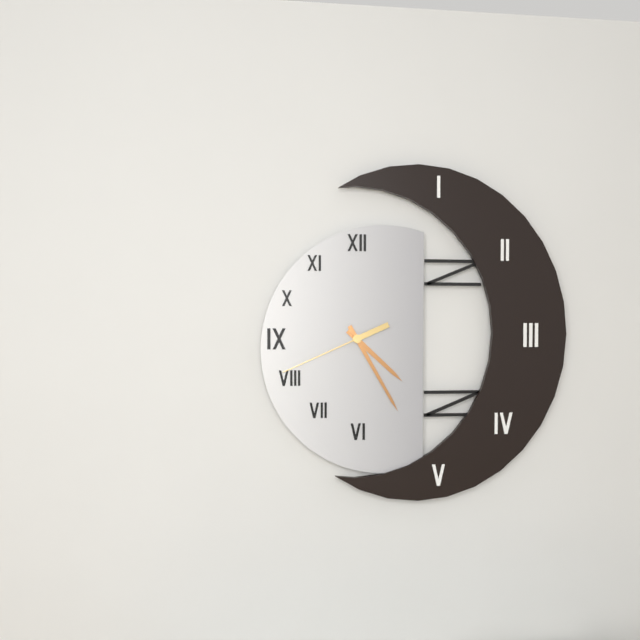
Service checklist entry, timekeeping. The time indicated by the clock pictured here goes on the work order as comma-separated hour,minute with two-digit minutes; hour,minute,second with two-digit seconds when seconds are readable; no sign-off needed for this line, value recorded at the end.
4,25,41
